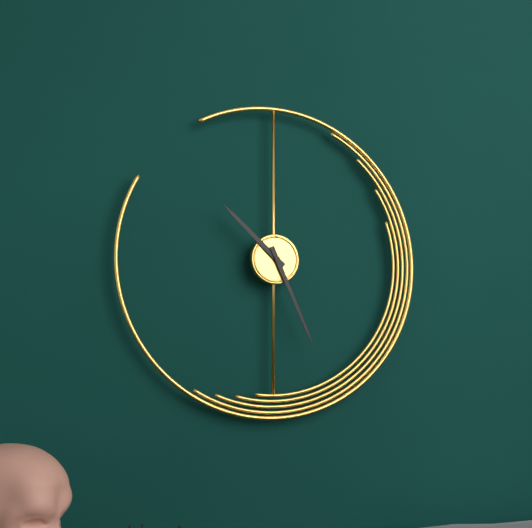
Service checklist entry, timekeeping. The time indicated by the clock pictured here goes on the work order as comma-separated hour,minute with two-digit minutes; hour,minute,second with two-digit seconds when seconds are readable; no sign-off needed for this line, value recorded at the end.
10,26
